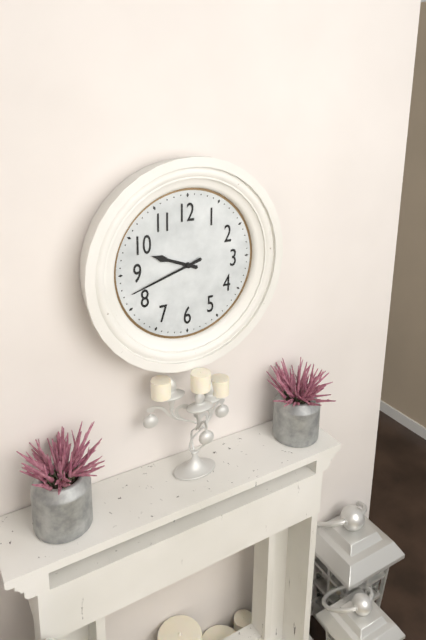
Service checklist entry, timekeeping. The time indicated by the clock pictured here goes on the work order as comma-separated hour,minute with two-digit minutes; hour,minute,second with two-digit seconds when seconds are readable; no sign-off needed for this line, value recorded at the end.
9,42
